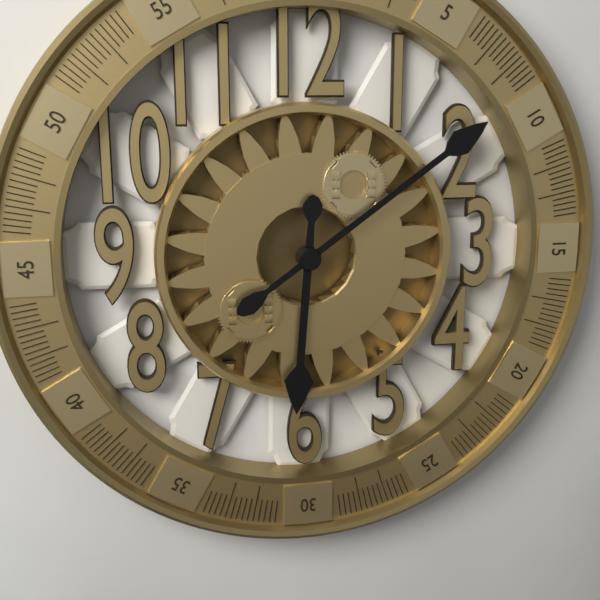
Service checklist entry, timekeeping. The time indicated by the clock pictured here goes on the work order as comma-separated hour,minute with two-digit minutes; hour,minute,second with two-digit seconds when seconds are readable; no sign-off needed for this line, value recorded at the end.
6,09
